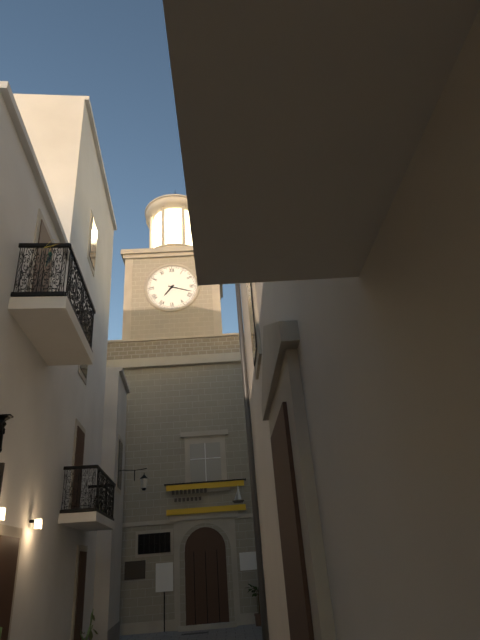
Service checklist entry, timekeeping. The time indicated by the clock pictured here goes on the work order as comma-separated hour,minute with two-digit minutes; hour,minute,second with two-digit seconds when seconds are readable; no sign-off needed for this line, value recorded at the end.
7,18
